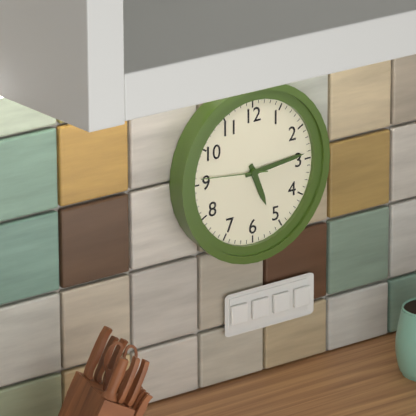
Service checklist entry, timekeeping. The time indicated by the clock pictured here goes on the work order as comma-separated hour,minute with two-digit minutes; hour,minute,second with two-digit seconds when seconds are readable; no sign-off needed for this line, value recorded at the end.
5,14,46
